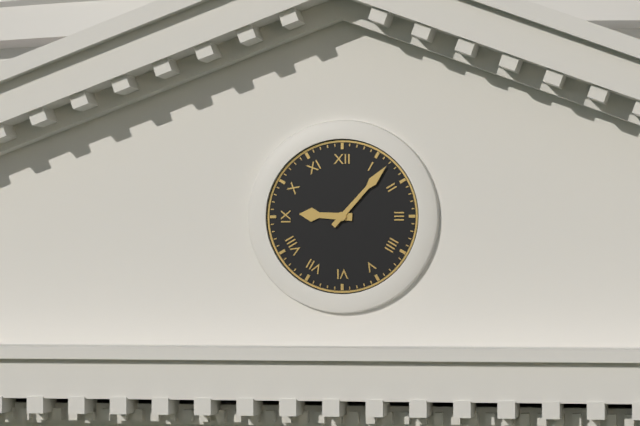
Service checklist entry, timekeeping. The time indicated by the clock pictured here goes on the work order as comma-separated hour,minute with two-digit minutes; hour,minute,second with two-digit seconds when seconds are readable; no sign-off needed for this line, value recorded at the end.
9,07
